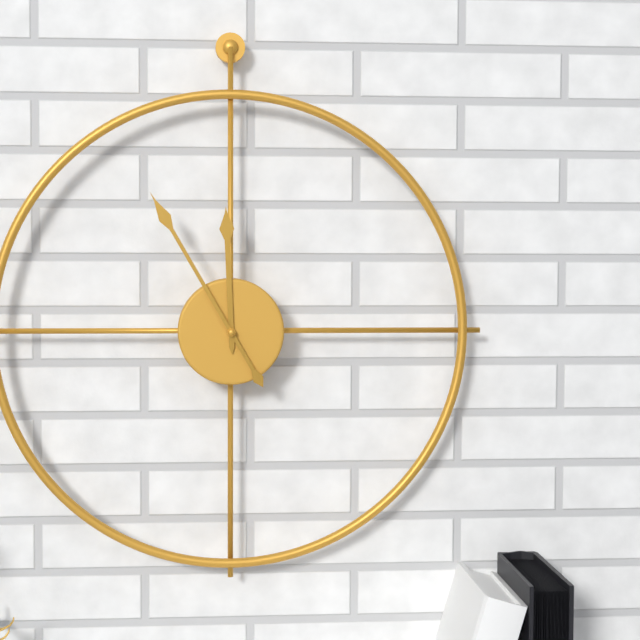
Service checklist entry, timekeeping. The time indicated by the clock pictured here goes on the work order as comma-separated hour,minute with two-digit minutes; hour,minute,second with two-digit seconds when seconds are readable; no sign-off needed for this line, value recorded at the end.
11,55
